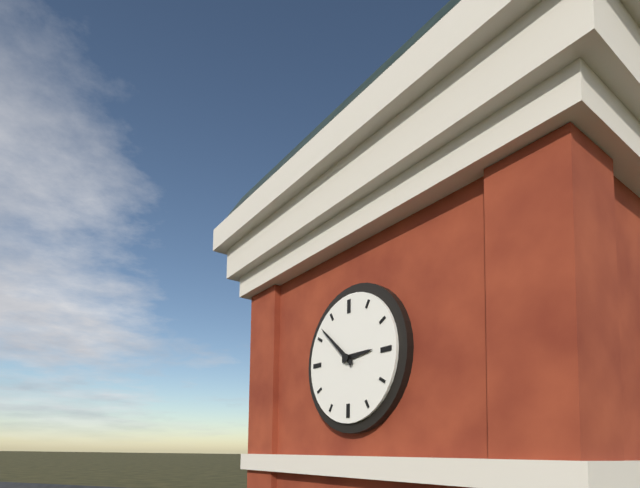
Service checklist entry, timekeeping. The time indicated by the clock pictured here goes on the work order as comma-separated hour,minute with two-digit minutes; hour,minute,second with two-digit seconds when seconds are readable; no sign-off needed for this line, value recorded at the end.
2,52
